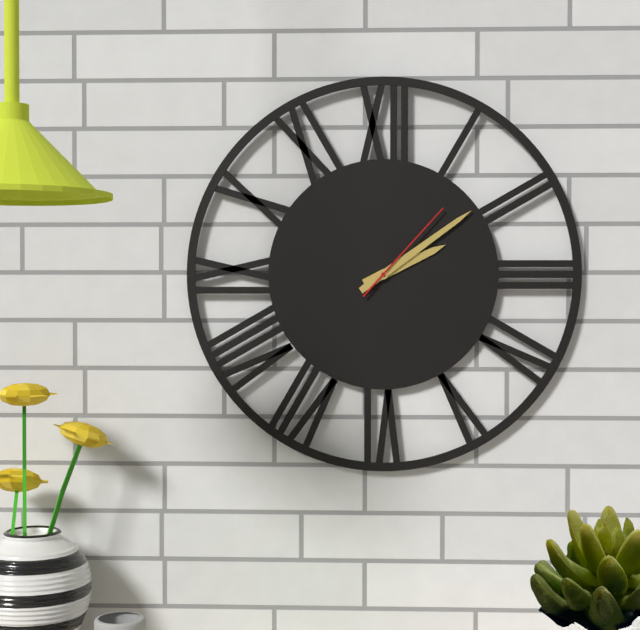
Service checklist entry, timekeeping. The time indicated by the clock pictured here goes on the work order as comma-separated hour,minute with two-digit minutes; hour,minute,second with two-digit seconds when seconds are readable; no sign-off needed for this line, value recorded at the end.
2,09,07
